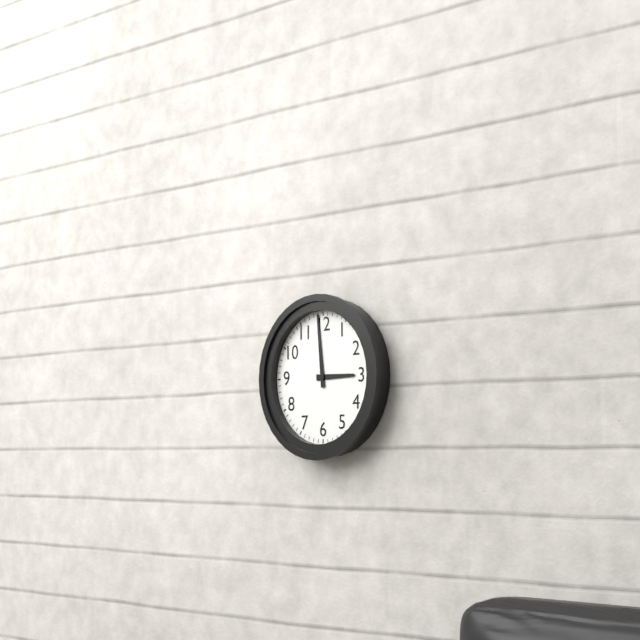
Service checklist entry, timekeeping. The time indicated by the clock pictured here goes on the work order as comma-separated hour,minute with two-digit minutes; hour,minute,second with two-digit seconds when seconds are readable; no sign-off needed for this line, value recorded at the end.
2,59
